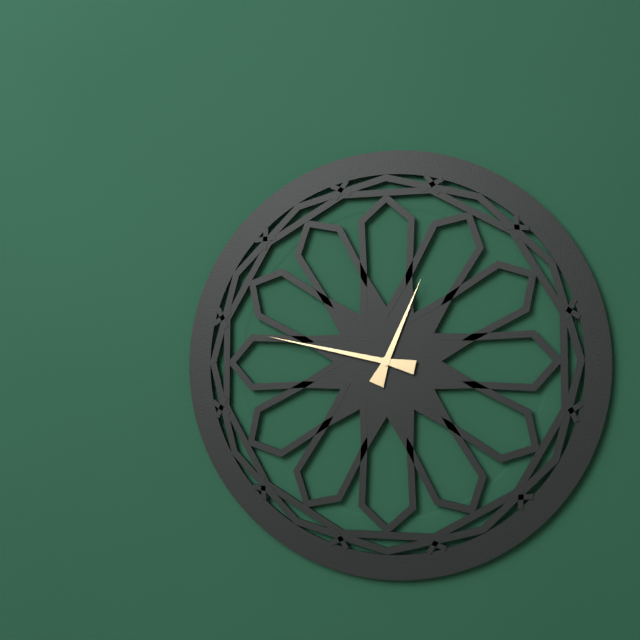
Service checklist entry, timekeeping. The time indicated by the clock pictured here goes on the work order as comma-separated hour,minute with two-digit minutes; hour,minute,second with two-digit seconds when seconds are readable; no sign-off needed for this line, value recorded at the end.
12,47
